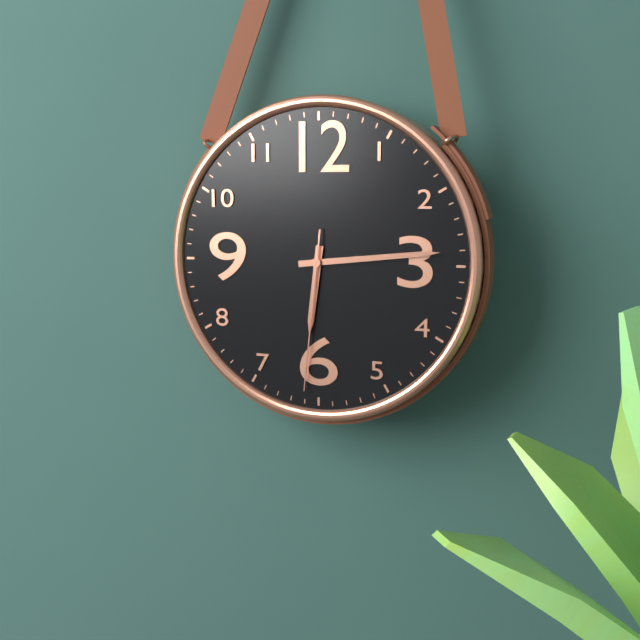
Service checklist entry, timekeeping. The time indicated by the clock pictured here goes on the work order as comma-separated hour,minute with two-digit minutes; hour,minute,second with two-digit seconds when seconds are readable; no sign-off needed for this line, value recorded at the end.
6,14,31
